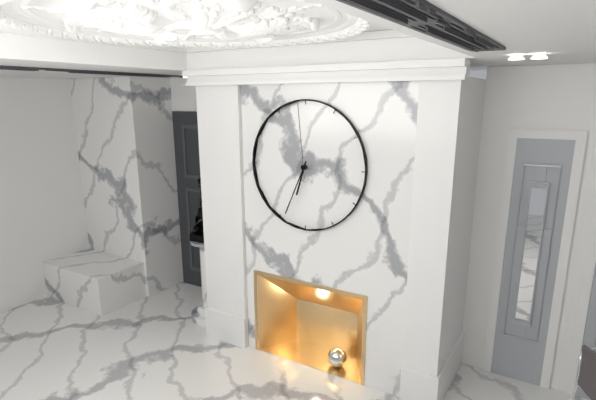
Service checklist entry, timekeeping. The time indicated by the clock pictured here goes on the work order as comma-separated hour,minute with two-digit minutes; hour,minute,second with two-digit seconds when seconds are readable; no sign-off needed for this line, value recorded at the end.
6,34,59
